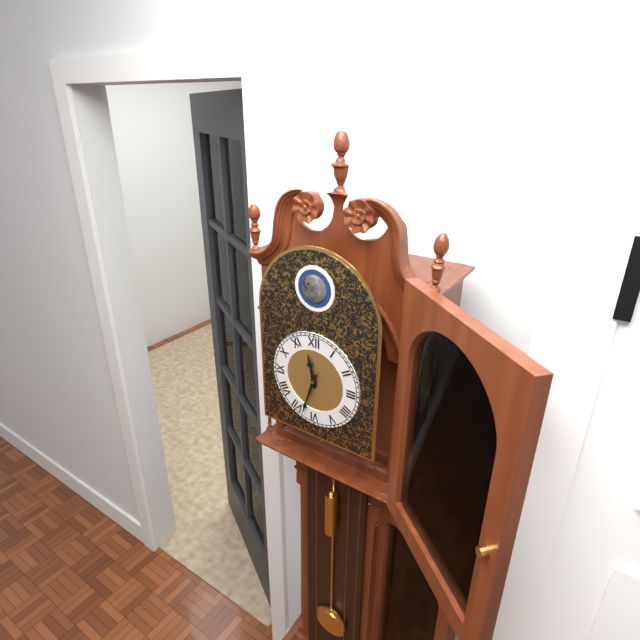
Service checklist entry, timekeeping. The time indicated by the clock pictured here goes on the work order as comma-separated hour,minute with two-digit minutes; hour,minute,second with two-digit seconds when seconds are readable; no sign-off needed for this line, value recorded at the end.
11,33
